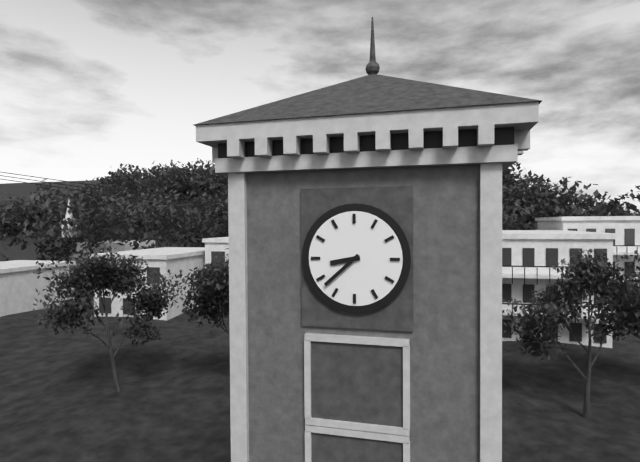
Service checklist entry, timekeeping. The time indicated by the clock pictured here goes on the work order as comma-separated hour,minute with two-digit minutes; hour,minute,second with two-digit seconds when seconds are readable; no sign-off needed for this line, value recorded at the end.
8,38
